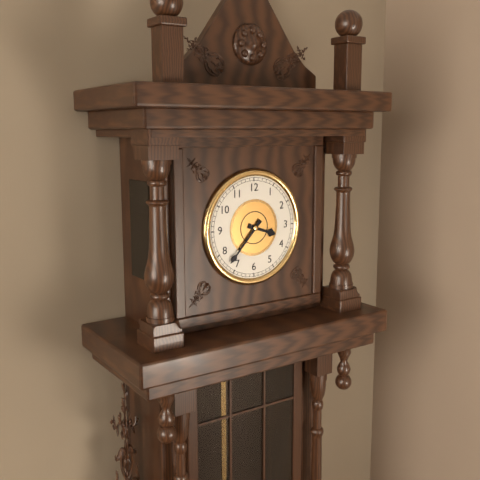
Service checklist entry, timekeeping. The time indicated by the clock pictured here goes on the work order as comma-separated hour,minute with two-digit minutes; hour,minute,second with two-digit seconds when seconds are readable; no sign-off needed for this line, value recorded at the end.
3,37
